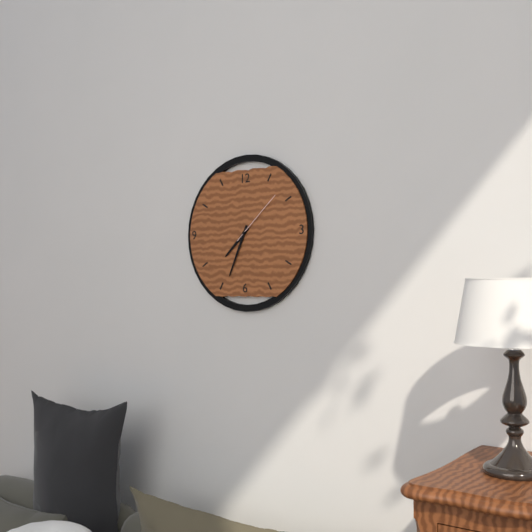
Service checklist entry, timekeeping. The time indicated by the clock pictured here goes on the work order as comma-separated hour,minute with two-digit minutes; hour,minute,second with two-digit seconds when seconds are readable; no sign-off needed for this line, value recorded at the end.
7,34,08
